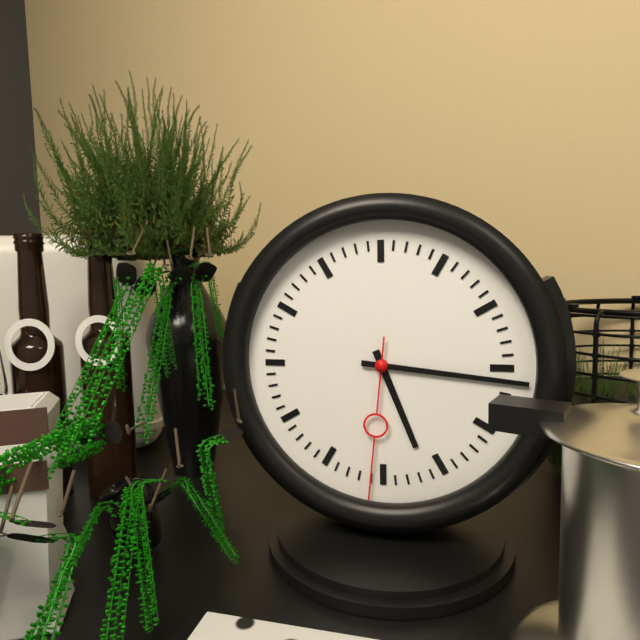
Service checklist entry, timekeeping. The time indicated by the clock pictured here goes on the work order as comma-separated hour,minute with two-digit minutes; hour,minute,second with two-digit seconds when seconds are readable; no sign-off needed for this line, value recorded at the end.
5,16,31
